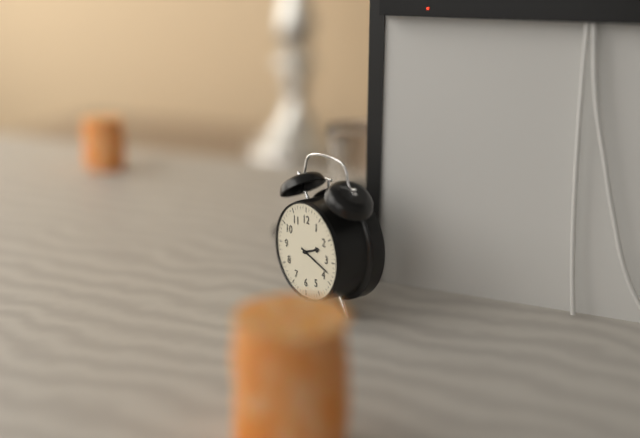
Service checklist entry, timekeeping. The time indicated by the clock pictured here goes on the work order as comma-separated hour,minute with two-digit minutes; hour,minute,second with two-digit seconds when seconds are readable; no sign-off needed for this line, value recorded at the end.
2,18
